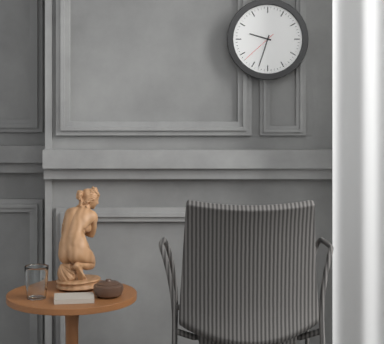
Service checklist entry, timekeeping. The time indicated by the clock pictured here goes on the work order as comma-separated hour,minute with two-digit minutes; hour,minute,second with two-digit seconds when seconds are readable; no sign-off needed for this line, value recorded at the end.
9,33
